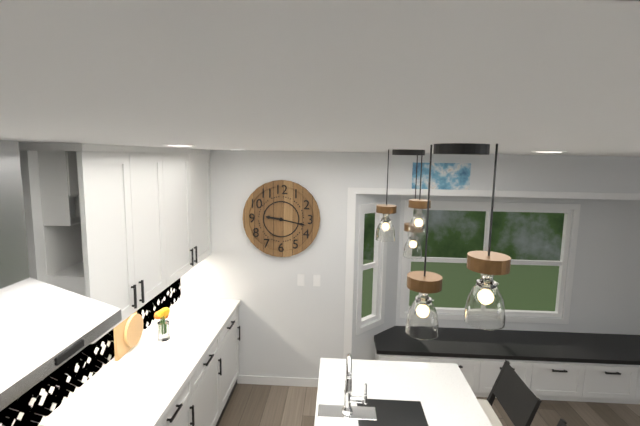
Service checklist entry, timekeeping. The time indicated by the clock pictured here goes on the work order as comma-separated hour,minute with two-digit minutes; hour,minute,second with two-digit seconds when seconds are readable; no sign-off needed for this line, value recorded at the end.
9,17
